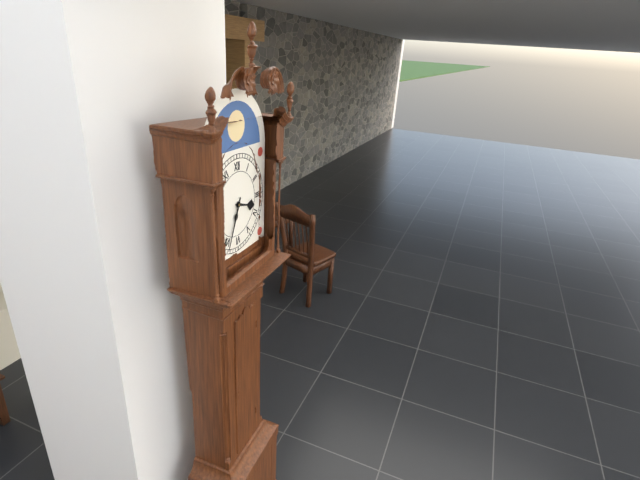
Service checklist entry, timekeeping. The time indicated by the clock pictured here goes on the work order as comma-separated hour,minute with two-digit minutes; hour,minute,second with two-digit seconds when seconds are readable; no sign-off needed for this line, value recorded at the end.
3,34
